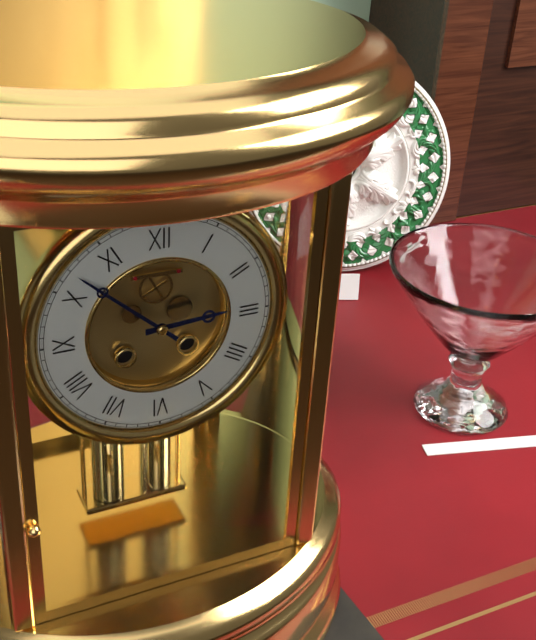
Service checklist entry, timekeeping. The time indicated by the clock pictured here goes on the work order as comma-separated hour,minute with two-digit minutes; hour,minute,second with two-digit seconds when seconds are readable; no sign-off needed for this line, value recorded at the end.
2,52
